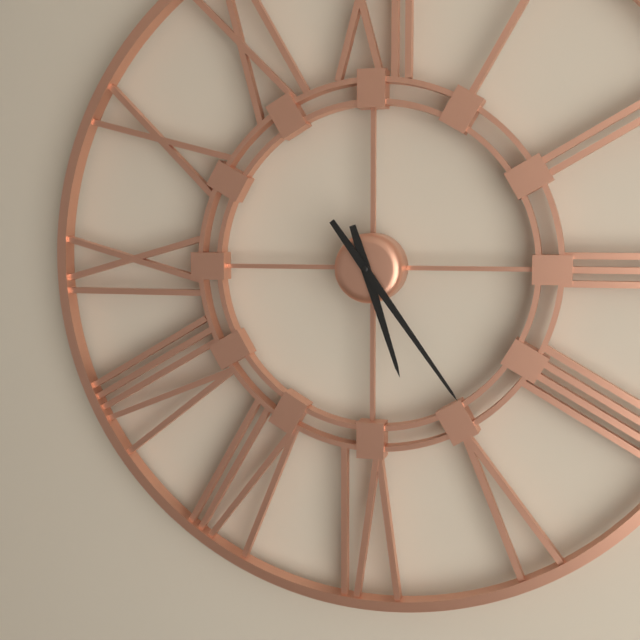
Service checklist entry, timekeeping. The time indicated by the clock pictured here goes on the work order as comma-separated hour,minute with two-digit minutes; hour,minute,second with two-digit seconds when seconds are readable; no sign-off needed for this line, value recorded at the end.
5,24
